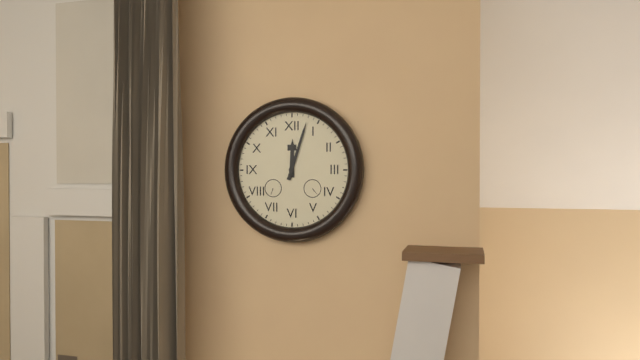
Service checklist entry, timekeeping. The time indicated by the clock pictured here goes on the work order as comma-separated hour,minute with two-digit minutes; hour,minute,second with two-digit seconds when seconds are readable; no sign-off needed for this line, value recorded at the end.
12,03
